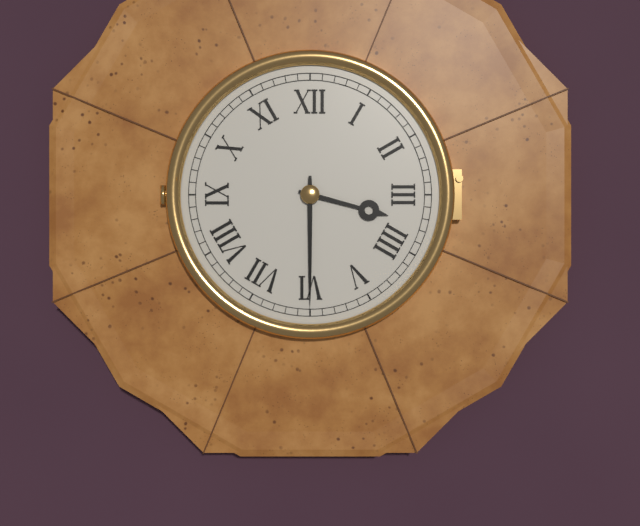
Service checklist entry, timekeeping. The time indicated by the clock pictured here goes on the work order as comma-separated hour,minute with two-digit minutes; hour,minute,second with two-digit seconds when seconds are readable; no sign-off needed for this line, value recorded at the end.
3,30
